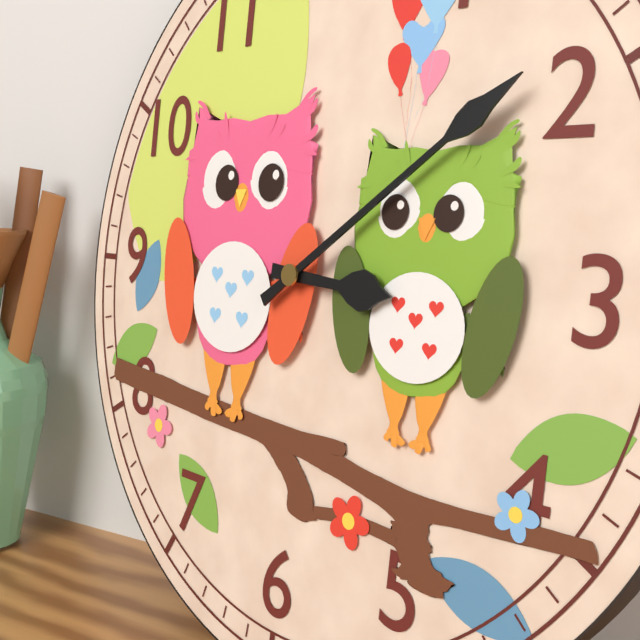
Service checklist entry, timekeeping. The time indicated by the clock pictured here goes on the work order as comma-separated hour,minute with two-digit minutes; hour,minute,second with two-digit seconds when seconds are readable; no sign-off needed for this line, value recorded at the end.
3,09
